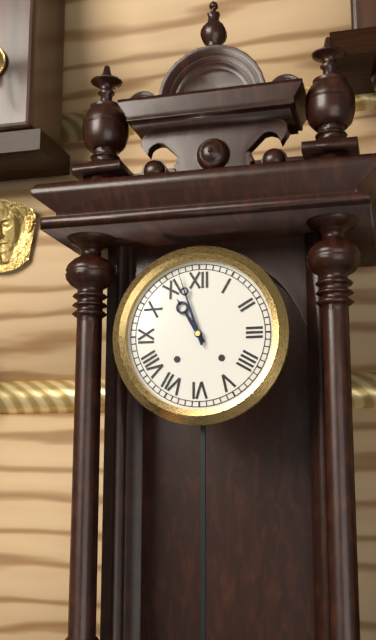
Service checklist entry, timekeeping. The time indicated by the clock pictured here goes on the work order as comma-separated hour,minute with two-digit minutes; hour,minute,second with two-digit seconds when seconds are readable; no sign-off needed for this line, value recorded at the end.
10,57
